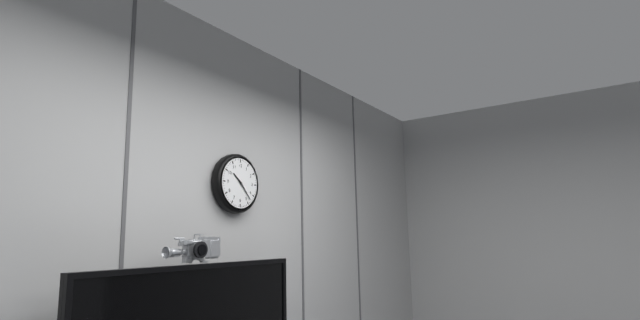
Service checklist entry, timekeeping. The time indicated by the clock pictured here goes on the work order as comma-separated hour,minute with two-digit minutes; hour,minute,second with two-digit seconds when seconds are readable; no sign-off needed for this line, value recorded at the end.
10,23
